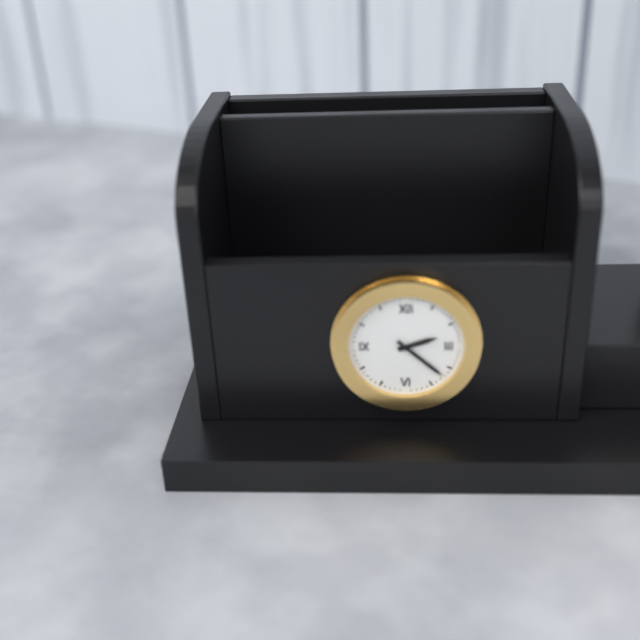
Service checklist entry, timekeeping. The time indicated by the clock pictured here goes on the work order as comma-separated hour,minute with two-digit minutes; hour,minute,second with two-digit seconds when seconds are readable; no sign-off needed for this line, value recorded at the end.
2,22
